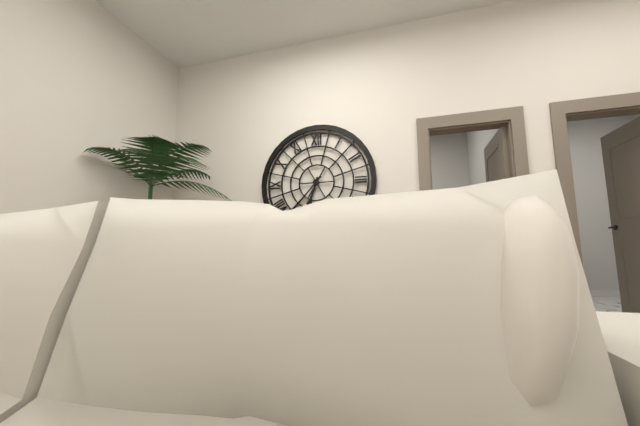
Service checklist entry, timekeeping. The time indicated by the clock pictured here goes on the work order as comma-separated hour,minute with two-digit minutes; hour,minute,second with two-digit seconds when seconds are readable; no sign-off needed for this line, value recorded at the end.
6,37
